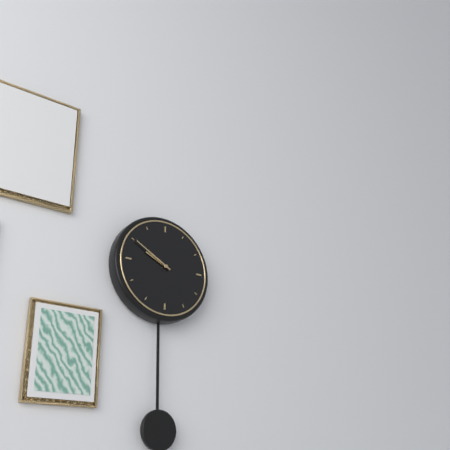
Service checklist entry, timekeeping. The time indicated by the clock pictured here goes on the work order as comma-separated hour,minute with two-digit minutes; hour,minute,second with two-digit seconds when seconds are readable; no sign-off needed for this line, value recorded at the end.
9,50
